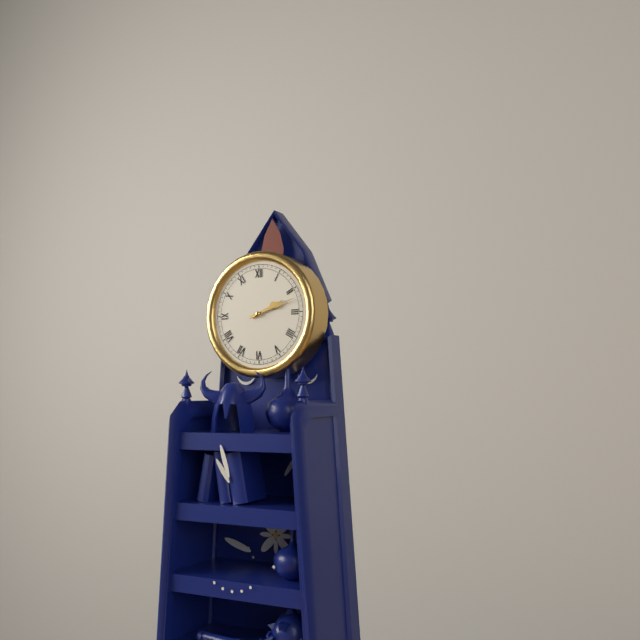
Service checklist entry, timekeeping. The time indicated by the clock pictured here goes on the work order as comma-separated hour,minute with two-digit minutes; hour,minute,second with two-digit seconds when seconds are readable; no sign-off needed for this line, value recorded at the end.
2,12
